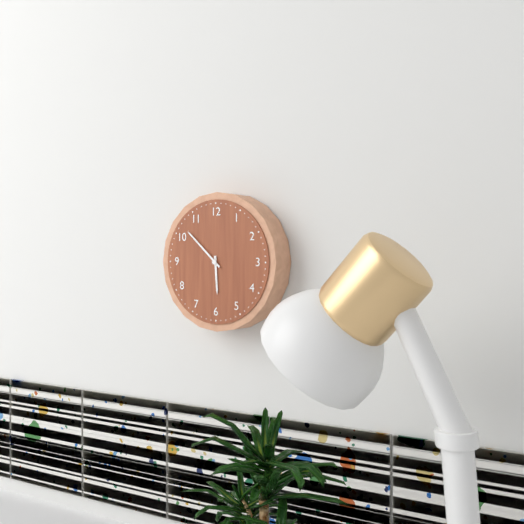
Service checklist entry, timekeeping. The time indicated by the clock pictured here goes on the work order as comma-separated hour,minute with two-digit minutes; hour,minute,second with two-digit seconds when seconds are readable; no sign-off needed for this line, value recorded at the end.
5,52
